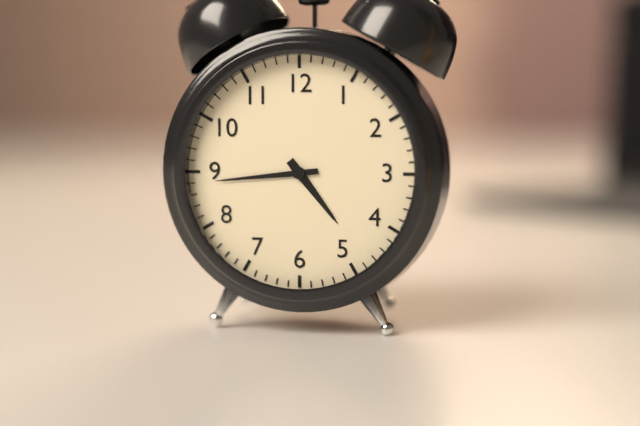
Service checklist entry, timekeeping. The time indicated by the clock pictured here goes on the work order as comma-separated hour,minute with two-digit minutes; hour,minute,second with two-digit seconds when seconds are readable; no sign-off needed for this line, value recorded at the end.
4,44
